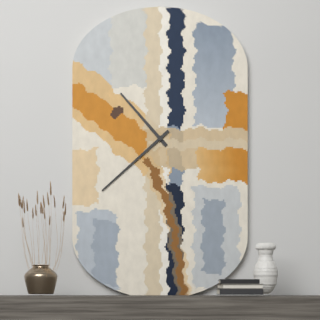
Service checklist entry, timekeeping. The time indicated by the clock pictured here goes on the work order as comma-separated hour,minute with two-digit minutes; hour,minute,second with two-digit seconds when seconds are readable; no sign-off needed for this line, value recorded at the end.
10,38
